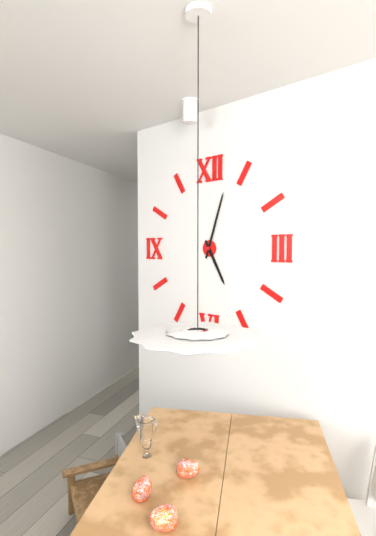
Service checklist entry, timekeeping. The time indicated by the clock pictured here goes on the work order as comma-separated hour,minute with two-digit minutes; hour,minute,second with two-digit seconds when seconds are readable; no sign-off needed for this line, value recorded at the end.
5,03
